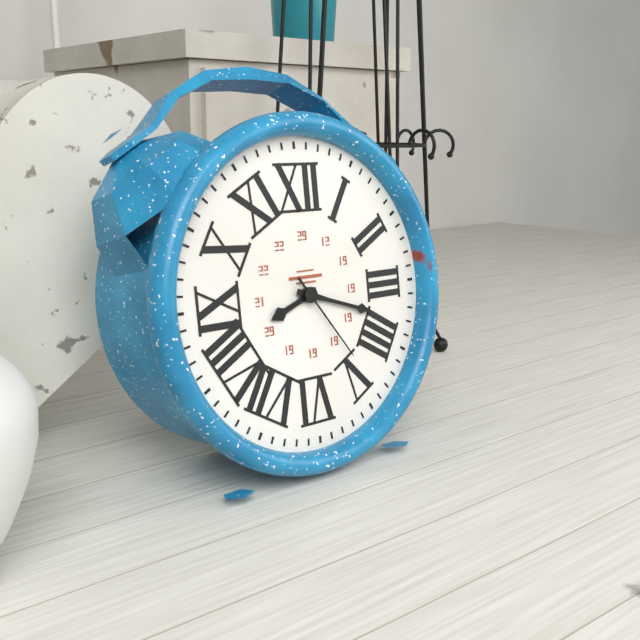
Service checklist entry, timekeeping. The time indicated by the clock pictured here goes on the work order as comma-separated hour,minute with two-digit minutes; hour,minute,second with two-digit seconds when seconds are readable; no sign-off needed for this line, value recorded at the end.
8,18,24
